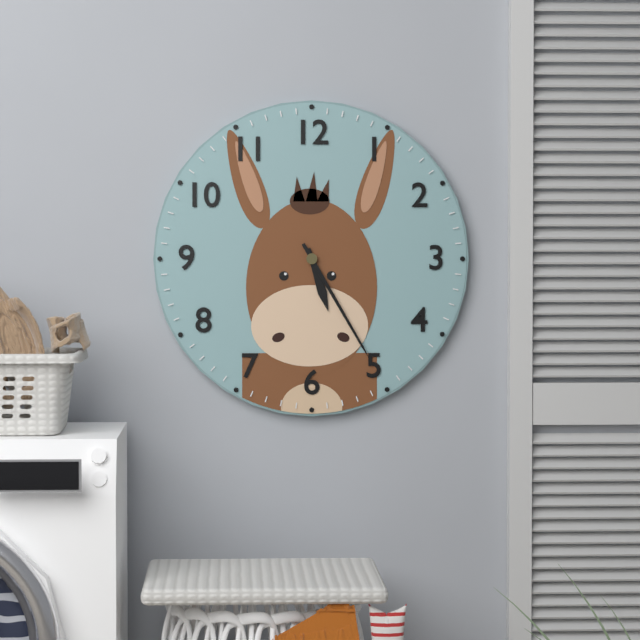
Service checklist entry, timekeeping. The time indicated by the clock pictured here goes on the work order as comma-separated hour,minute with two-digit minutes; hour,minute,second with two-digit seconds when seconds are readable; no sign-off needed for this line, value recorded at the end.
5,25
